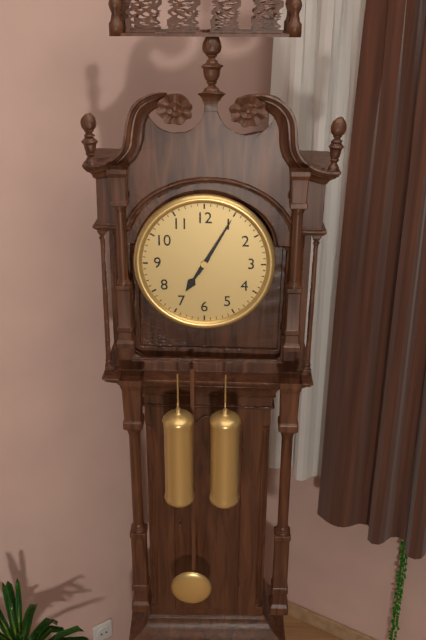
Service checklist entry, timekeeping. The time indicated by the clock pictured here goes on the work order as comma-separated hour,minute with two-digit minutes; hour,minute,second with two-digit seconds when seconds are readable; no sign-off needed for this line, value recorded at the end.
7,05
